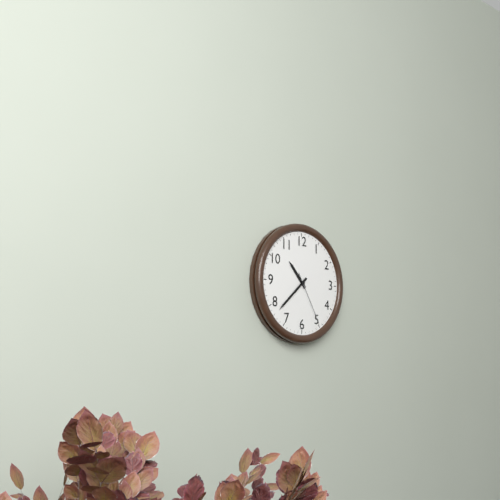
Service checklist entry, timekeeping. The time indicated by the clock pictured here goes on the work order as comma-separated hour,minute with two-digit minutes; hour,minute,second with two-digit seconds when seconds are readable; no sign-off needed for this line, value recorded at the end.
10,38,25
